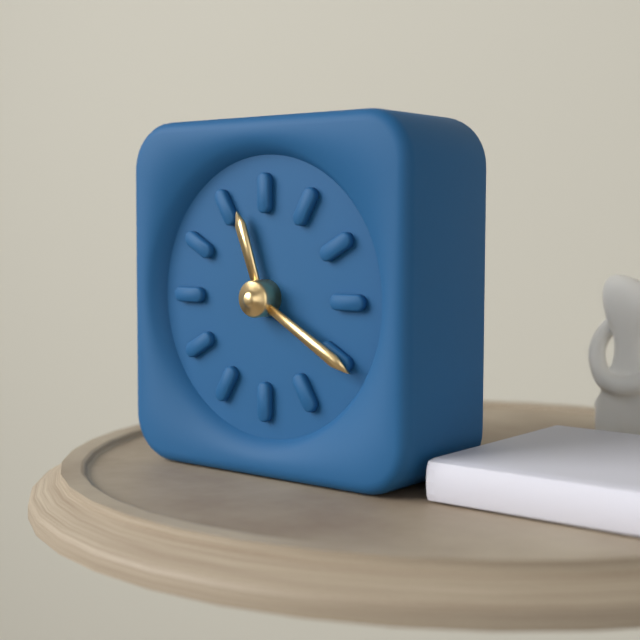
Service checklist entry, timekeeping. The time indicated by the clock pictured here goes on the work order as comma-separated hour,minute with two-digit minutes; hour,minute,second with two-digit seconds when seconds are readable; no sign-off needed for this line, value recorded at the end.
11,20
